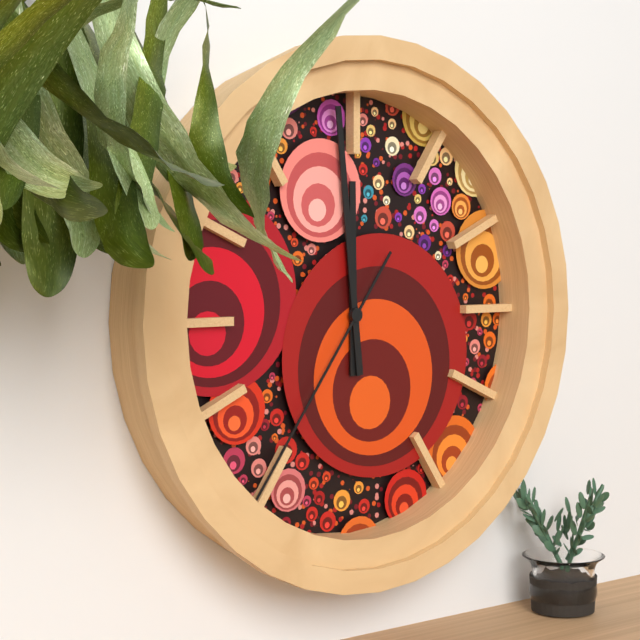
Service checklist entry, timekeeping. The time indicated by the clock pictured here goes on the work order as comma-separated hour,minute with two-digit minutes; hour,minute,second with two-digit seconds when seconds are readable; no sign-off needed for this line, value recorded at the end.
11,59,36
